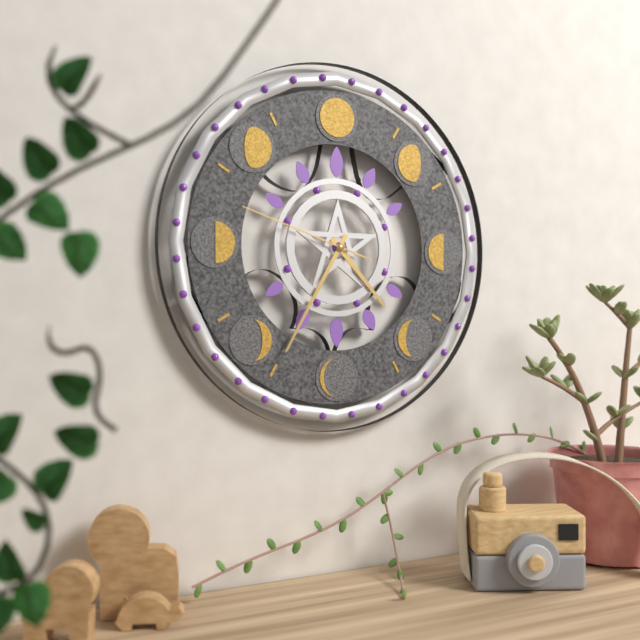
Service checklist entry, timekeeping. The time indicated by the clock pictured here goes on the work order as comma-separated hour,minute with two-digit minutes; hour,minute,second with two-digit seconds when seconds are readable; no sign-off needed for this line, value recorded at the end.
4,35,48
